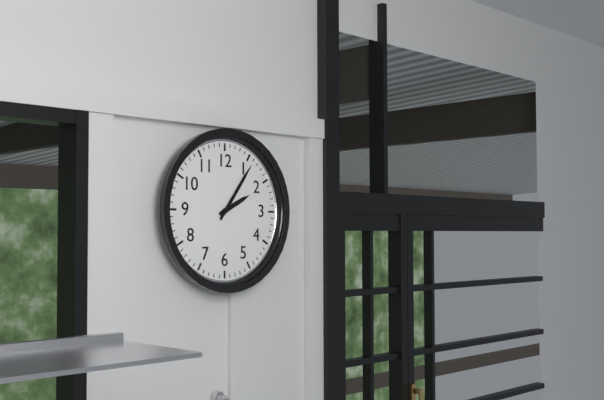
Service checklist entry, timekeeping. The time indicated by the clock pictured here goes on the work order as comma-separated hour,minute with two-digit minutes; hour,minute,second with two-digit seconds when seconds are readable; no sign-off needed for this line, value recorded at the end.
2,06
